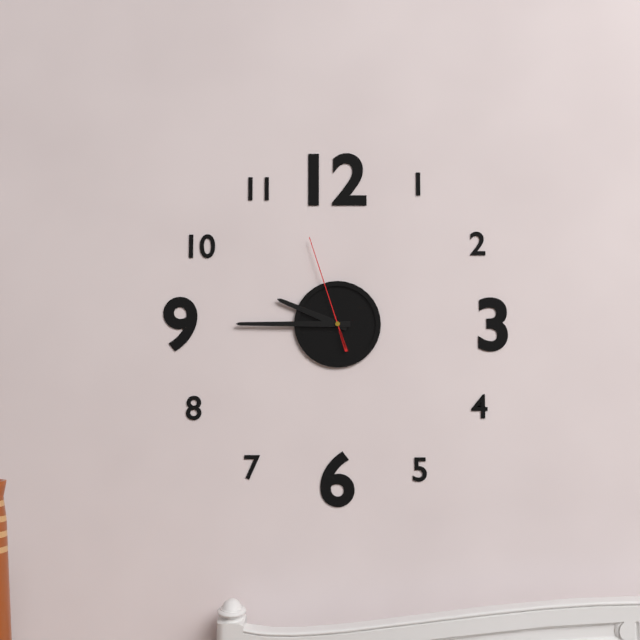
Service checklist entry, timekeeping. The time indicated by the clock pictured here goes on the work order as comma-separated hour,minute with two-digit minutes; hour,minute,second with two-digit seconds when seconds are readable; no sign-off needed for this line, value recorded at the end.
9,45,57
